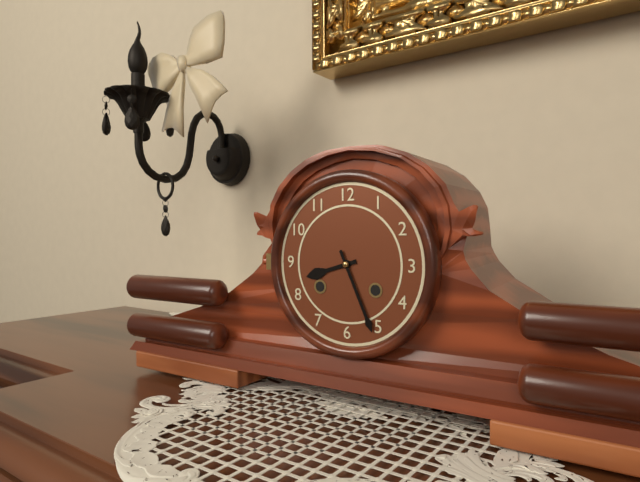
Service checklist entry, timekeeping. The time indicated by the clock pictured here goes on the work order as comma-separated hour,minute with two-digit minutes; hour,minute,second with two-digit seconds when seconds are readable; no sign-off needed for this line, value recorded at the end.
8,26
